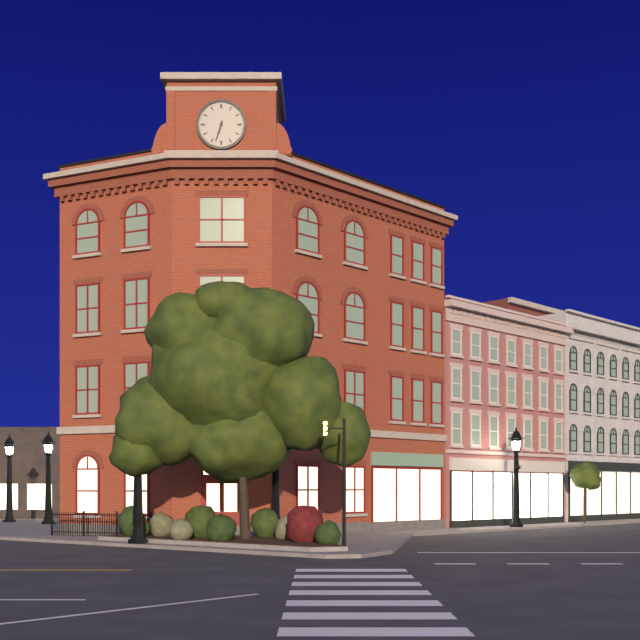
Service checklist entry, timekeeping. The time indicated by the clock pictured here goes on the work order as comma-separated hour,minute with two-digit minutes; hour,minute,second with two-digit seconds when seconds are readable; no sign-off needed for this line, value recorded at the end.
6,33
